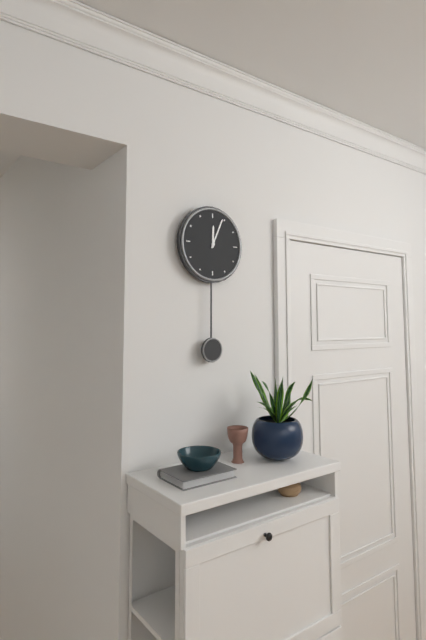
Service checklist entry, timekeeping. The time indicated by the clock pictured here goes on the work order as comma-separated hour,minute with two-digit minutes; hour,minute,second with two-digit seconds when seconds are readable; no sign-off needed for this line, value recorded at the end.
12,04
